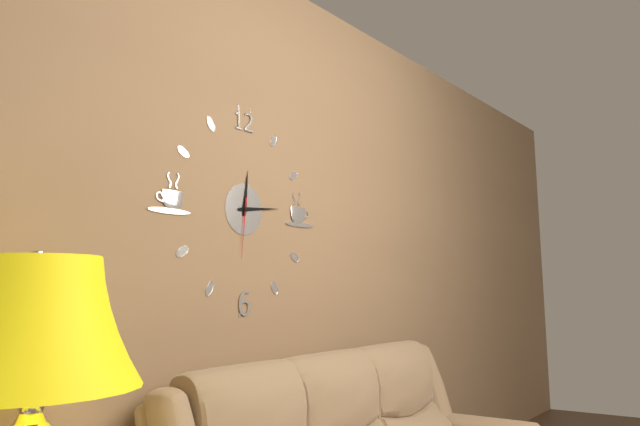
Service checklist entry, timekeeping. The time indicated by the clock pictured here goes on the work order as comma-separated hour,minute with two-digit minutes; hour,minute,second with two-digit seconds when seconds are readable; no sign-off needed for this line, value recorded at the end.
12,14,31
